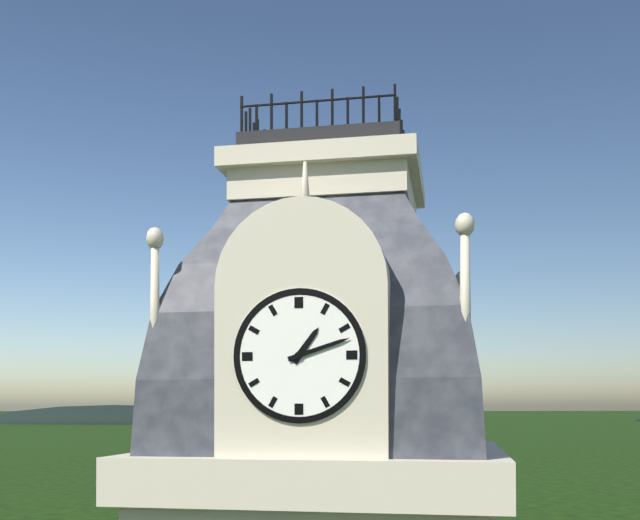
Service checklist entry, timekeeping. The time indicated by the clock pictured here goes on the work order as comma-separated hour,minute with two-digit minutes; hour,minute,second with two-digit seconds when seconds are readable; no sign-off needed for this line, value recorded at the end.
1,12
